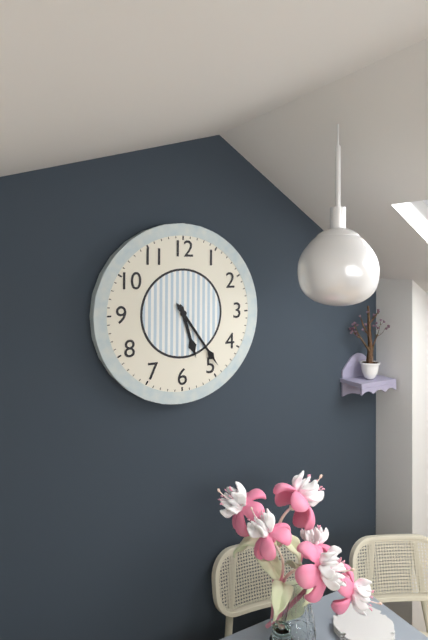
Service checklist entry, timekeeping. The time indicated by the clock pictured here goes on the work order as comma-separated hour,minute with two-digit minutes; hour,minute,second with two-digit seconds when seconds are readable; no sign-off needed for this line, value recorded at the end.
5,24
